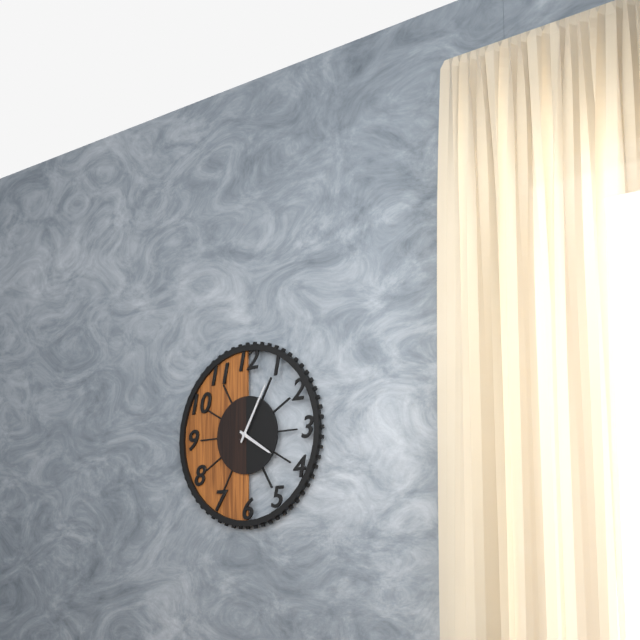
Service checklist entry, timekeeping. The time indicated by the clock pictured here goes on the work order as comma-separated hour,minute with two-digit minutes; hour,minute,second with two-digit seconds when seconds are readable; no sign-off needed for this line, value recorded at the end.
4,05
